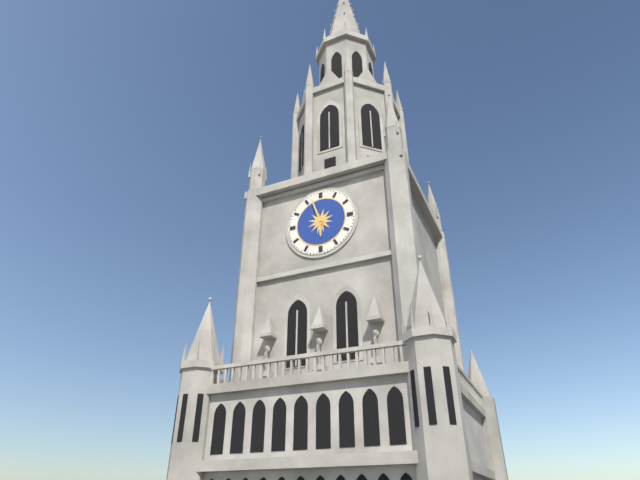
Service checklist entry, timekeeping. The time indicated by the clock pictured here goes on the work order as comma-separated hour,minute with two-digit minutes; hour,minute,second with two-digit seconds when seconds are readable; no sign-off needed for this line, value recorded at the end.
5,57
